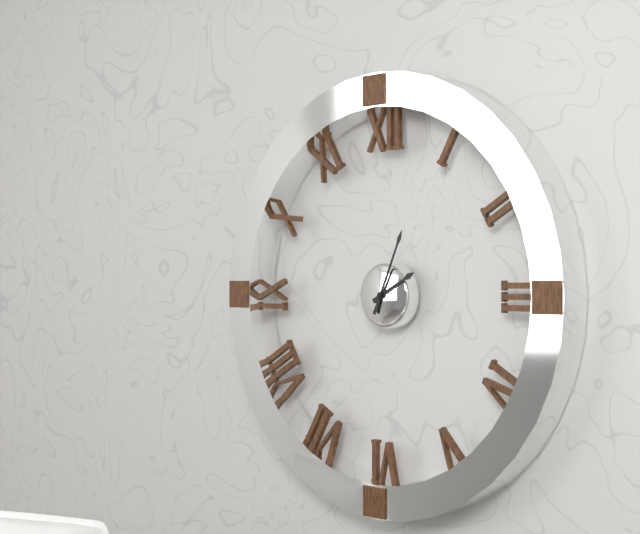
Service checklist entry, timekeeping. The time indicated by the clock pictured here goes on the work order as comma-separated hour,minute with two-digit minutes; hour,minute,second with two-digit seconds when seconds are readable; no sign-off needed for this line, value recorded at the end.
2,04
